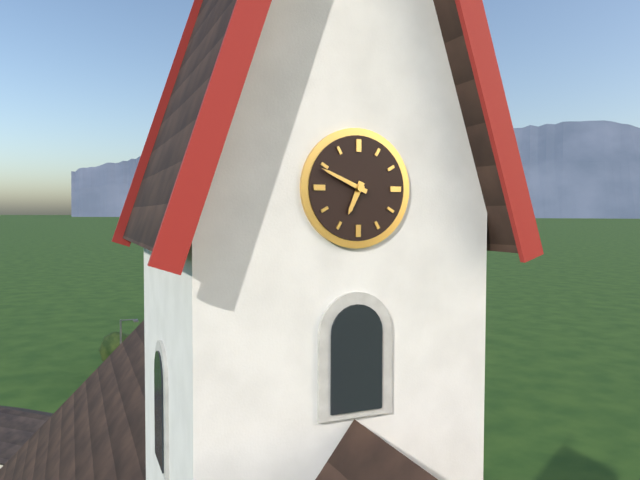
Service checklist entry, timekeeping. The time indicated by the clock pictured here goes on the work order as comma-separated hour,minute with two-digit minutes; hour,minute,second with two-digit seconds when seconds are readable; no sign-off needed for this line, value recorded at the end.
6,49
